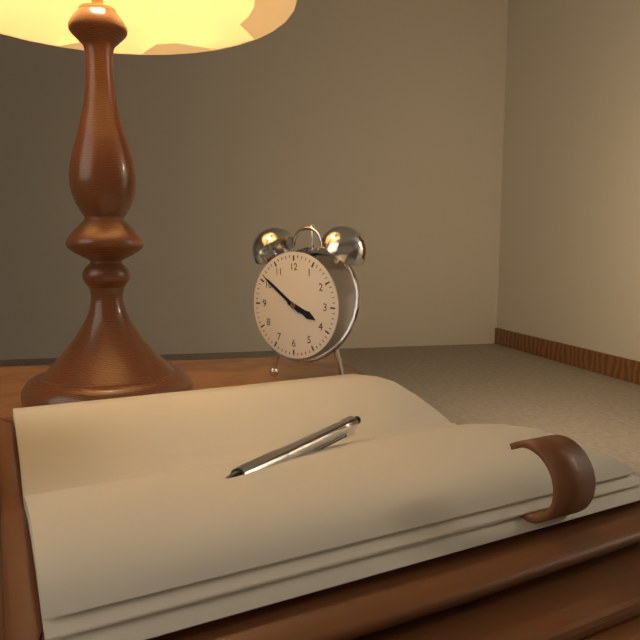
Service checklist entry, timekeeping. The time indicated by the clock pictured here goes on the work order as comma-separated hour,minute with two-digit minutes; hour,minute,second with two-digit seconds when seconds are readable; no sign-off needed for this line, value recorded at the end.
3,51
